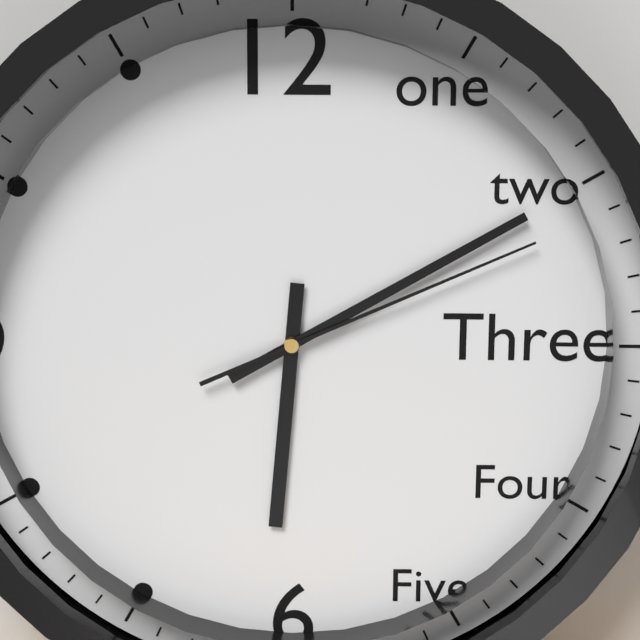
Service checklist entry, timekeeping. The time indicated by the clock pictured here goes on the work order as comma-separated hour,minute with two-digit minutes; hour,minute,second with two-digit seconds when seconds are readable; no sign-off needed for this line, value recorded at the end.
6,10,11
